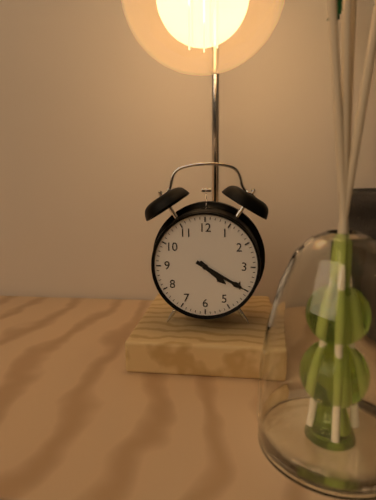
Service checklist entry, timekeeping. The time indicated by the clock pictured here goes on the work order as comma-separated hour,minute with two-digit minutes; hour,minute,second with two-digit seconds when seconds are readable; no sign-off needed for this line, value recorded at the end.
4,20
